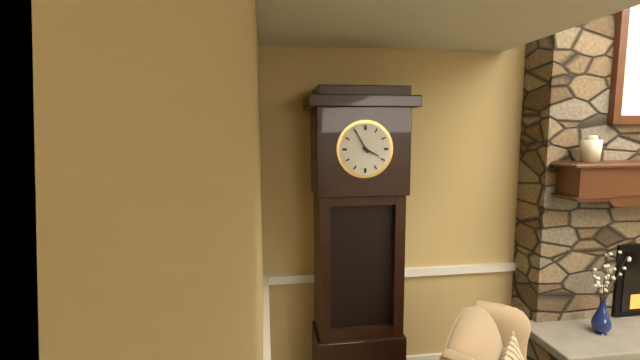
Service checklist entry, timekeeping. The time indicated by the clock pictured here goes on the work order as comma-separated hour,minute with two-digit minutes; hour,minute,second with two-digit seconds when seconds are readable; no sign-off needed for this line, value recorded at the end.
3,55
